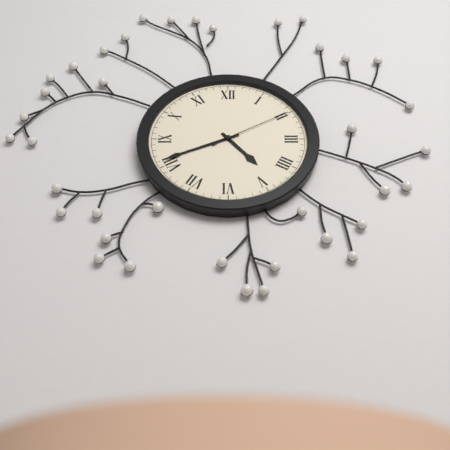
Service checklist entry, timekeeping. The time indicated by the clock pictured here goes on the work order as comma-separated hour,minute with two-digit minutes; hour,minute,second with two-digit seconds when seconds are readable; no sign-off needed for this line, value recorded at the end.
4,41,10
